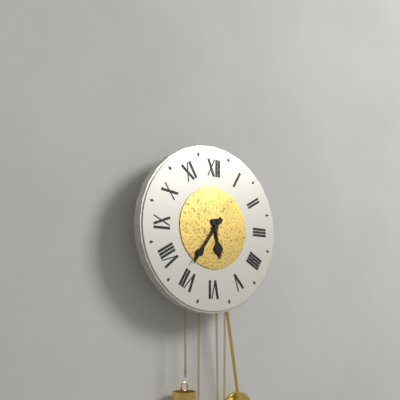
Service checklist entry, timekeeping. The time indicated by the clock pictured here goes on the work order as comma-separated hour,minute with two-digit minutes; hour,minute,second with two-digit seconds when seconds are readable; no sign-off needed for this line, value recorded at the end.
5,36
